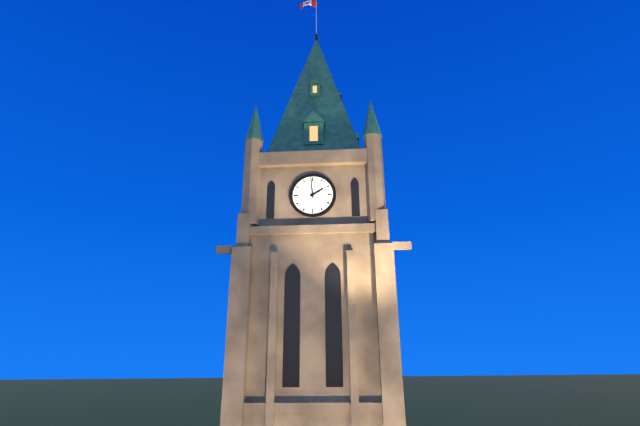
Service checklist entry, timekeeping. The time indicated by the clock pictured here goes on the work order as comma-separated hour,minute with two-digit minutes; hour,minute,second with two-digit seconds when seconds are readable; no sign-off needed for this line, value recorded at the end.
1,59
